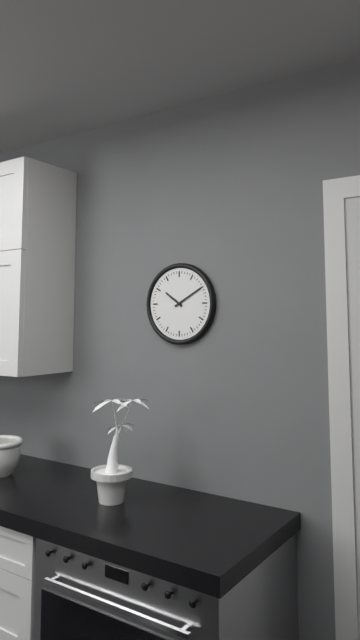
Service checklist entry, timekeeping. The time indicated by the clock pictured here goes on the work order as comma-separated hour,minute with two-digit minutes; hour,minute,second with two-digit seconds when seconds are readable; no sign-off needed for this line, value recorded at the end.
10,10
